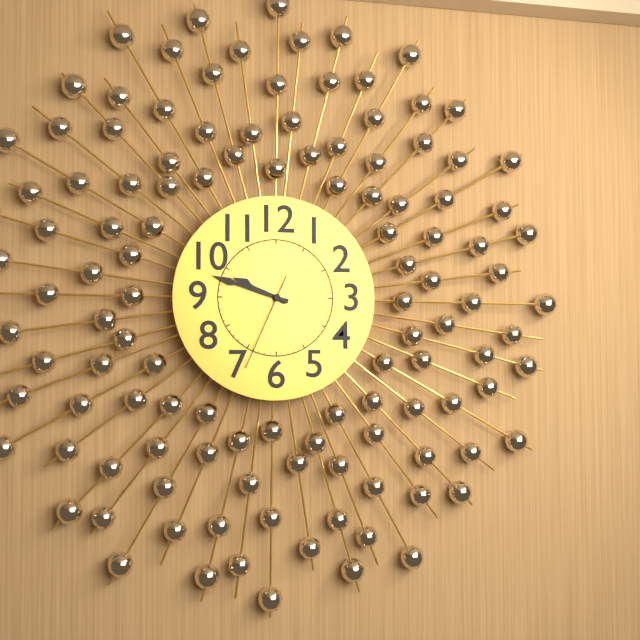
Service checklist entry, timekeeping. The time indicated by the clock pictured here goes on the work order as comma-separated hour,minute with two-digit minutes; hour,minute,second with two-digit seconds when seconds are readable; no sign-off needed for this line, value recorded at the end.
9,48,34
